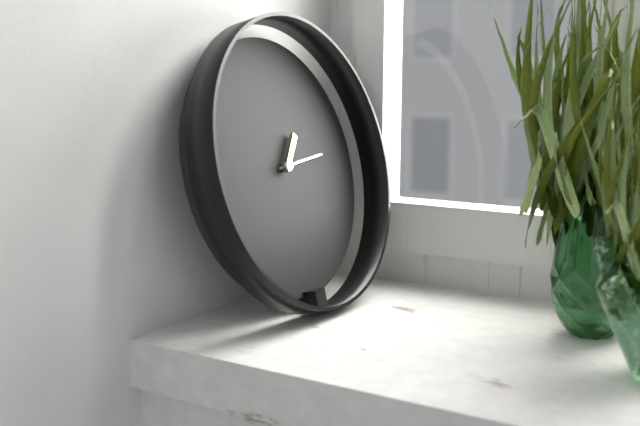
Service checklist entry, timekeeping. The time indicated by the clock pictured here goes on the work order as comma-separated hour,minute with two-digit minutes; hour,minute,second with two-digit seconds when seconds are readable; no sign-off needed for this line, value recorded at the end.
1,14
